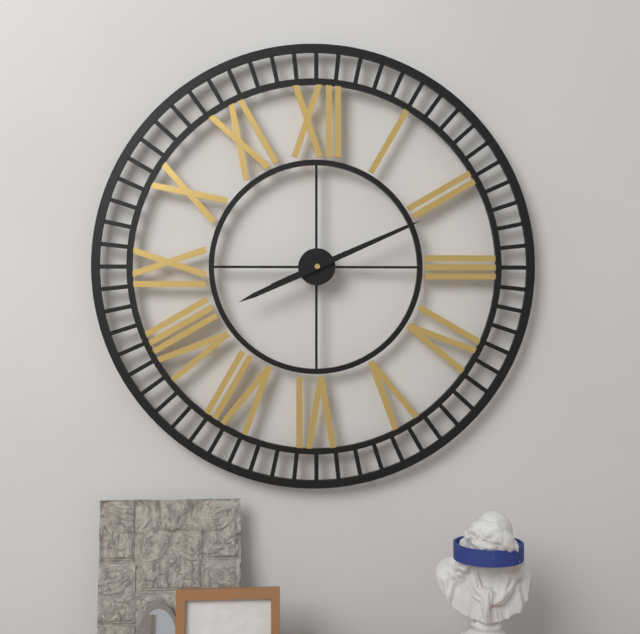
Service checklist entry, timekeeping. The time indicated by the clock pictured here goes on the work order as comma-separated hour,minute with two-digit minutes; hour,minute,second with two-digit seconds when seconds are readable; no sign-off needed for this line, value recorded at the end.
8,11
